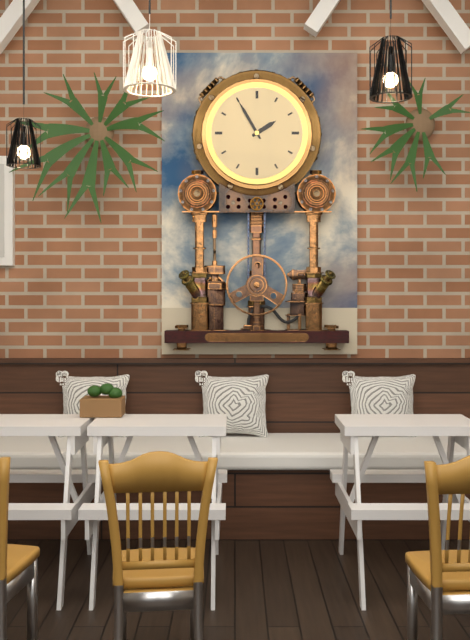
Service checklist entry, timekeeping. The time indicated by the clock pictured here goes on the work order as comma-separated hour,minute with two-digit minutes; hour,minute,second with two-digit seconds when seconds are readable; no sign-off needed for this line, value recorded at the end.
1,55
